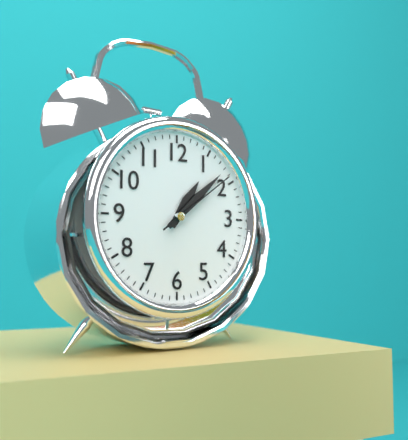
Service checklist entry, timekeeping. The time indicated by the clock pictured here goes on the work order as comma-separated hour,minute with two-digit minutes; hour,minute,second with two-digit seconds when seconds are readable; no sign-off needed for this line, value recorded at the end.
1,08,09
